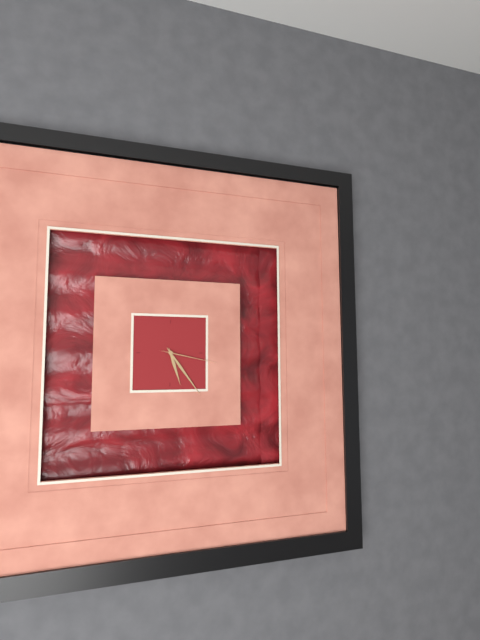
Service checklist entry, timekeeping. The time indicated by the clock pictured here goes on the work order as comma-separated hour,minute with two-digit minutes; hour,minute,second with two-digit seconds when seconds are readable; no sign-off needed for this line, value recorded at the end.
5,24,17
